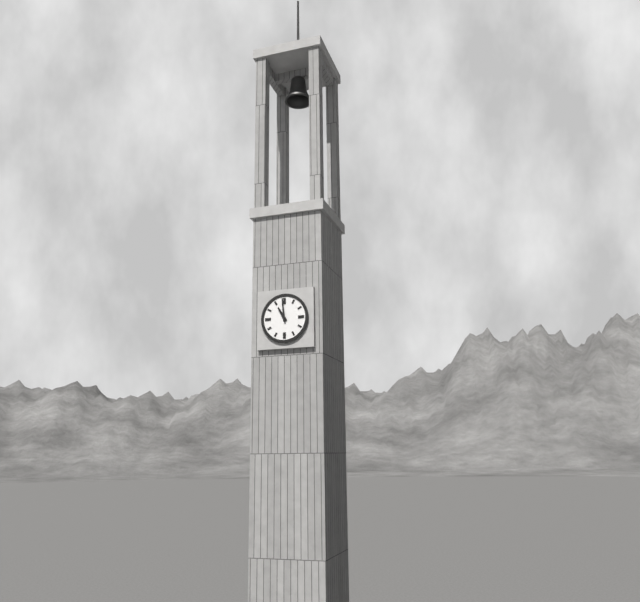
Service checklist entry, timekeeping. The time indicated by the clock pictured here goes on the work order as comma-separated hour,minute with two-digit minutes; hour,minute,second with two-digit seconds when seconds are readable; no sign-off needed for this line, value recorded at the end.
10,59
